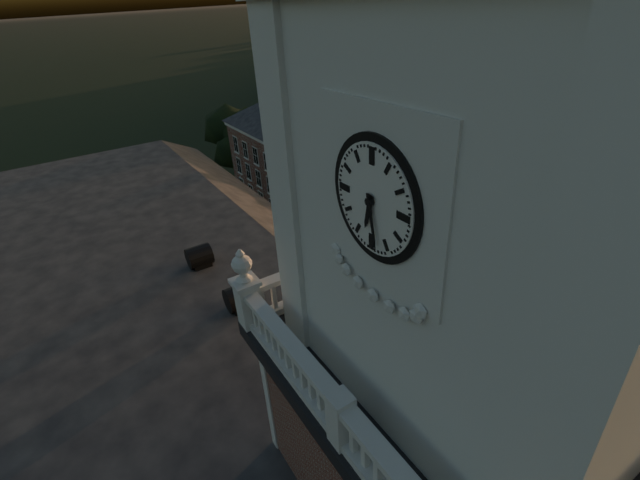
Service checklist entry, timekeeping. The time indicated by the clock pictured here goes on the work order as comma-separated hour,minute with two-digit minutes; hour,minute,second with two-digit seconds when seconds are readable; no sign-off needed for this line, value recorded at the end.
6,28
